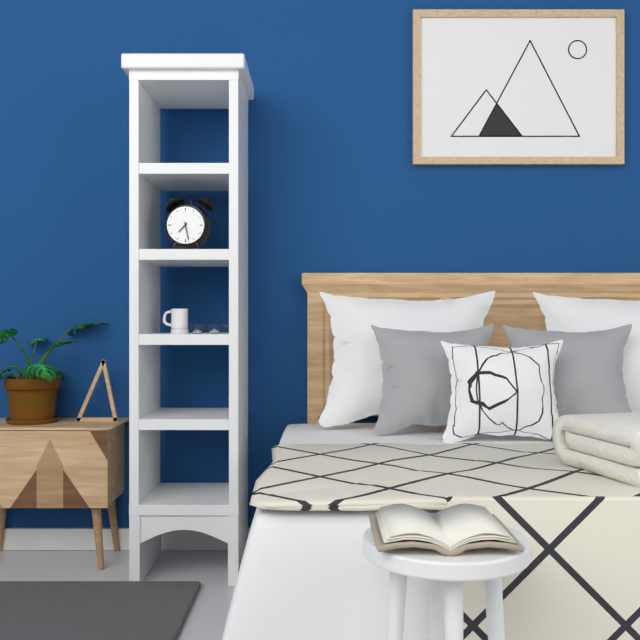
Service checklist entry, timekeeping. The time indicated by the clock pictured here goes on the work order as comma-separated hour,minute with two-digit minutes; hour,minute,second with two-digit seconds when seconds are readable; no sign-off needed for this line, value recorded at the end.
7,28
